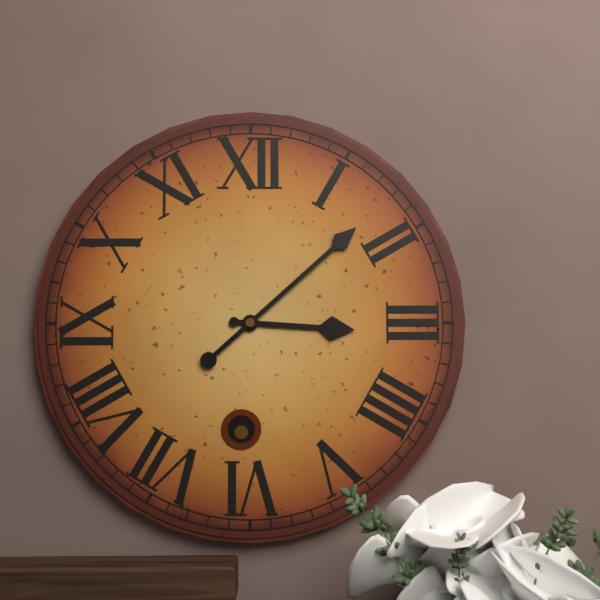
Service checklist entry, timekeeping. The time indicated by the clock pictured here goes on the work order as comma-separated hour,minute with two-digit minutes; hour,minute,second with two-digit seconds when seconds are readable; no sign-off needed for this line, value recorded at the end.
3,08
